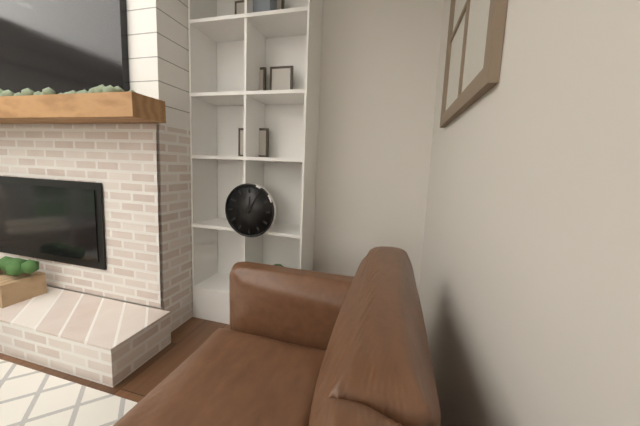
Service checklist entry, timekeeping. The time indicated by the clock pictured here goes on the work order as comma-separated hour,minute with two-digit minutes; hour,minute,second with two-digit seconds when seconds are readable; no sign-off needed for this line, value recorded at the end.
12,05
